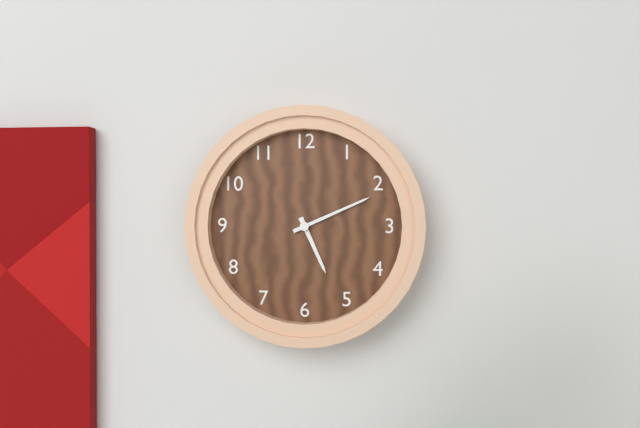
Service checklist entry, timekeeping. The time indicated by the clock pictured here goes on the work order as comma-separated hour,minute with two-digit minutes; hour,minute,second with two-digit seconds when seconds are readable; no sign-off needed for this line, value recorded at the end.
5,11
